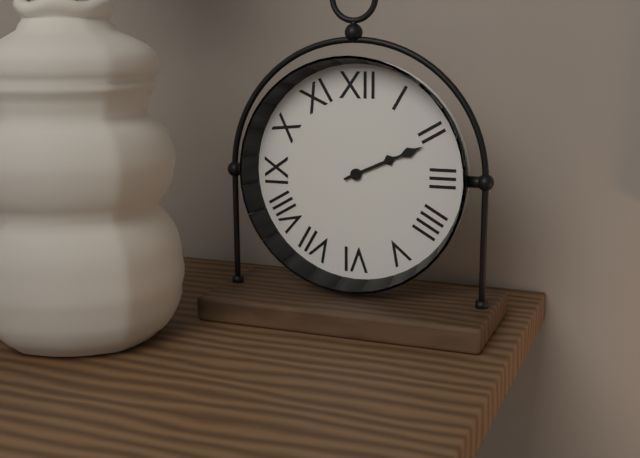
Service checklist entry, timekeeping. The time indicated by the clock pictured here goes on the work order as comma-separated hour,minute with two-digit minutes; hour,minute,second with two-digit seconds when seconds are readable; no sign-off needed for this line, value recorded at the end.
2,11
